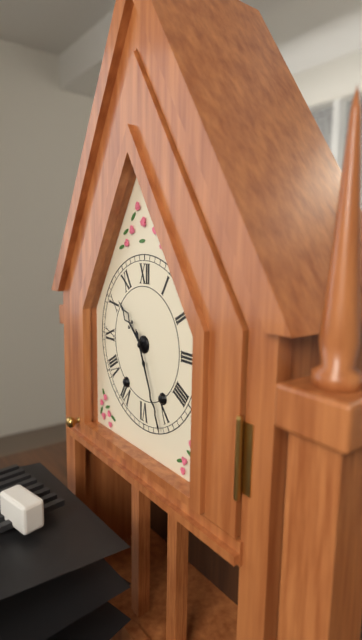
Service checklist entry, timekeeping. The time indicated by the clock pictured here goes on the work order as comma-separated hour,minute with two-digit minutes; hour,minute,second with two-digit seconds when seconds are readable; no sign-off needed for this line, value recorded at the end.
10,26
